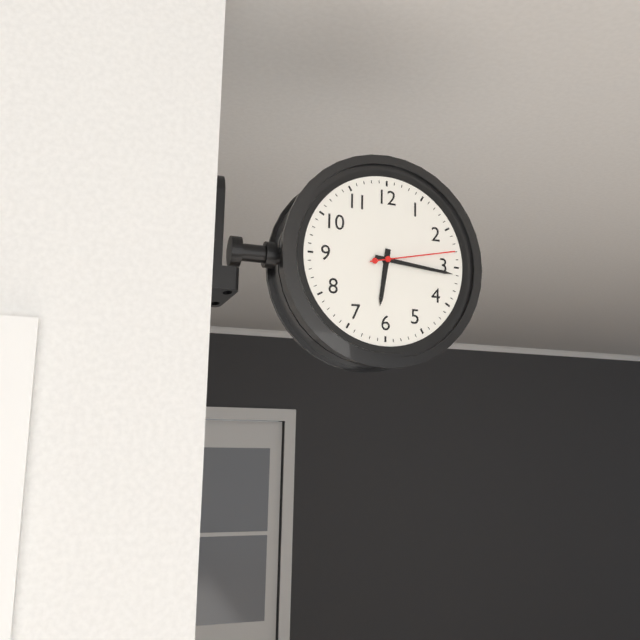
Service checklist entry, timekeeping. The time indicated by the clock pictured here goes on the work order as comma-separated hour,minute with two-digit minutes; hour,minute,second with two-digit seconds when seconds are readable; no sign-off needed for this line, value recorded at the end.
6,16,13
